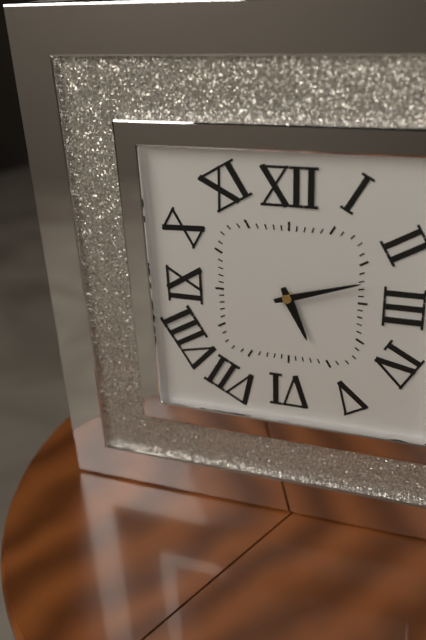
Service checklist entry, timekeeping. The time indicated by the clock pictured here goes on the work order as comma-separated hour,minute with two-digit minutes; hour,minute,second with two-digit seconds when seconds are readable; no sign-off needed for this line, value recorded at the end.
5,12
